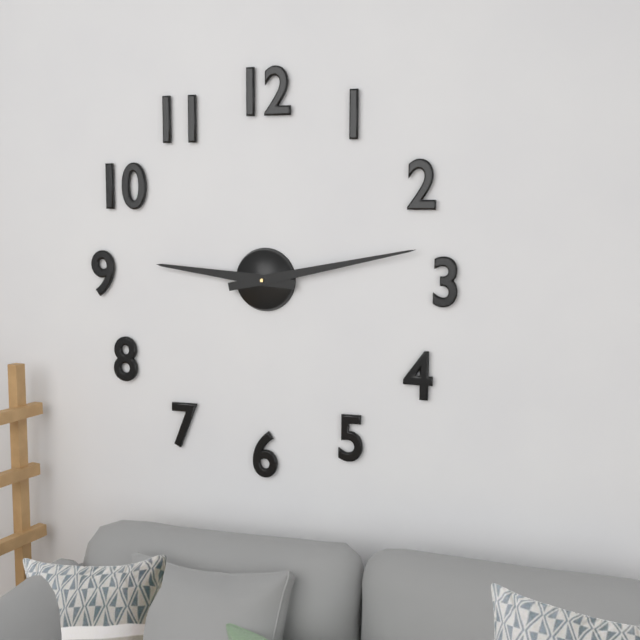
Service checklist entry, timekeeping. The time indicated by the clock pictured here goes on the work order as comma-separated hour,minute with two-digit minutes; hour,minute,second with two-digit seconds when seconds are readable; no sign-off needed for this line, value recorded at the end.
9,13
